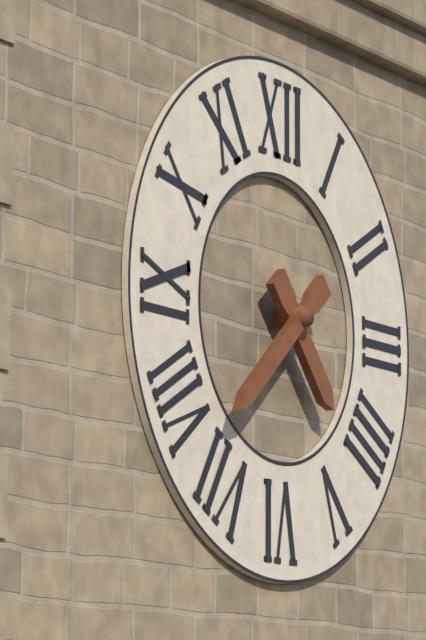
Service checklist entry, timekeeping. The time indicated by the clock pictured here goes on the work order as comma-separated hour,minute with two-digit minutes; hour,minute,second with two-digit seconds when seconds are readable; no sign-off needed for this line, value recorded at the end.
4,38
